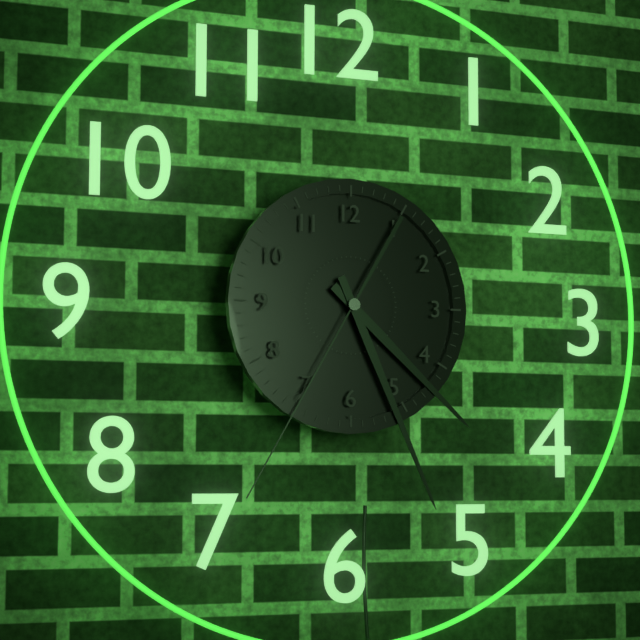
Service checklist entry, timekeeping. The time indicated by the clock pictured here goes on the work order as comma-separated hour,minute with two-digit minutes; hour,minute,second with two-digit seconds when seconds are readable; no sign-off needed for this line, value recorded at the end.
4,26,35
